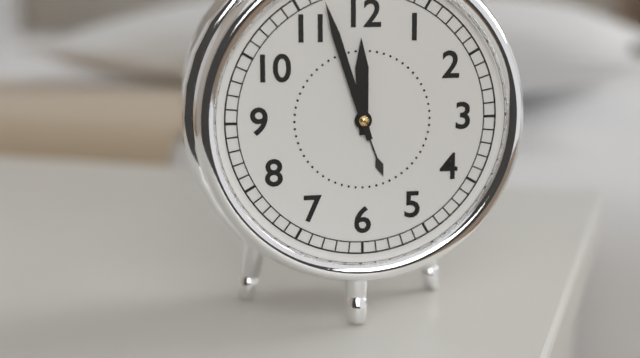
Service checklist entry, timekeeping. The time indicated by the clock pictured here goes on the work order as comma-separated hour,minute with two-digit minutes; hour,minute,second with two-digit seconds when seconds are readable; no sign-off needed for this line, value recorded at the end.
11,57
